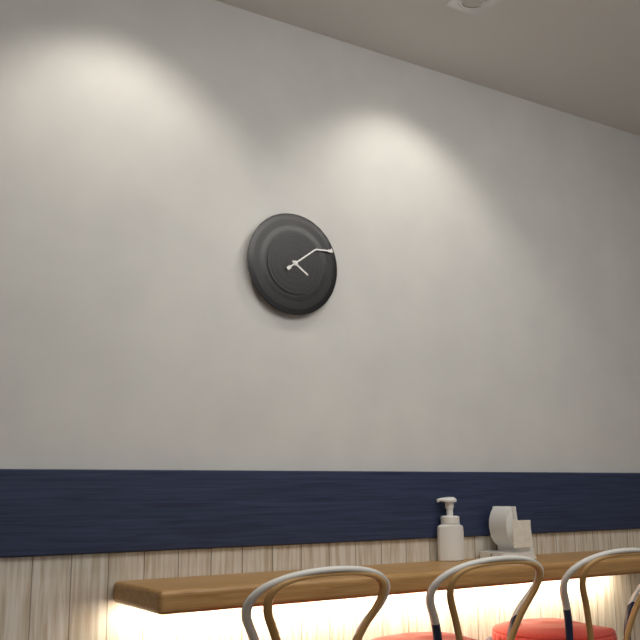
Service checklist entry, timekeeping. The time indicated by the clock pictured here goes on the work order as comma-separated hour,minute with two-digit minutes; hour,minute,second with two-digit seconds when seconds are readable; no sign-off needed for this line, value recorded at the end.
4,09
